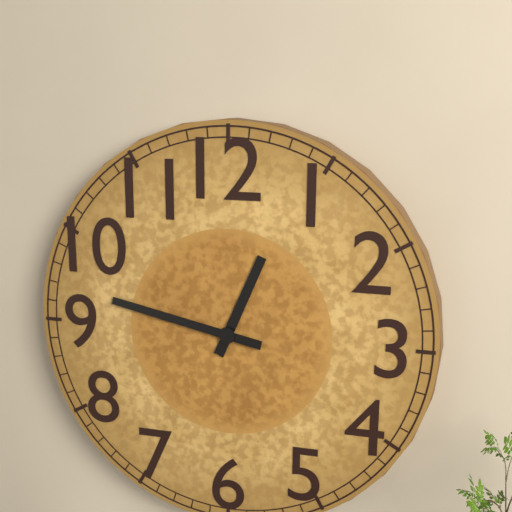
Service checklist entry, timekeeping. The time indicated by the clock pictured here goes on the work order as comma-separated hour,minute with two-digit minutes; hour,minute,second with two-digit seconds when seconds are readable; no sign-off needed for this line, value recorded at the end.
12,47
